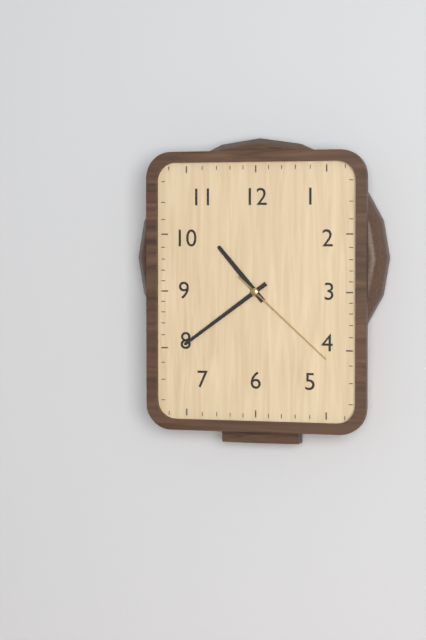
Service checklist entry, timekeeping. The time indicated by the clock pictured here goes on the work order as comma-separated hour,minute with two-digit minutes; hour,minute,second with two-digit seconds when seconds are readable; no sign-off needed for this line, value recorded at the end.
10,39,22
